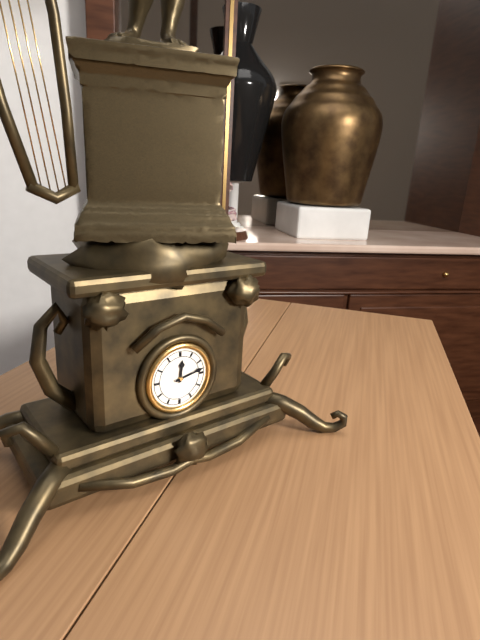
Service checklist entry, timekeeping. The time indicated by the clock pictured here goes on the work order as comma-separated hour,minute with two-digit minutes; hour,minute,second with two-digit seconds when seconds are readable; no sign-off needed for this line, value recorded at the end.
12,13
